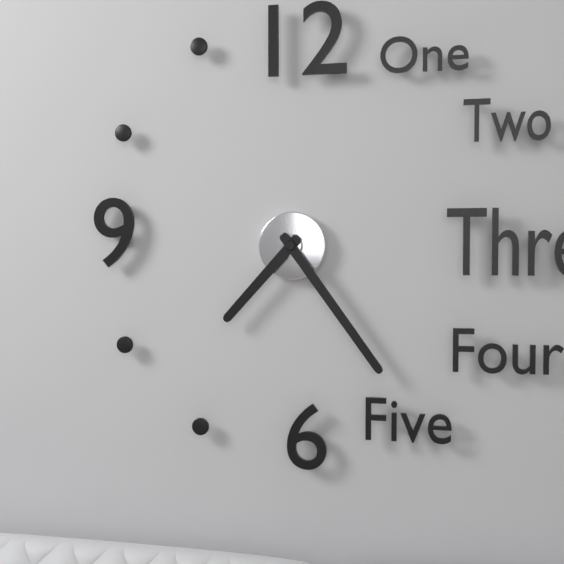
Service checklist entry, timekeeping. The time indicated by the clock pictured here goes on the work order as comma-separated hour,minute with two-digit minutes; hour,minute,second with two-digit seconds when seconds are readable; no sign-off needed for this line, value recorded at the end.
7,24
